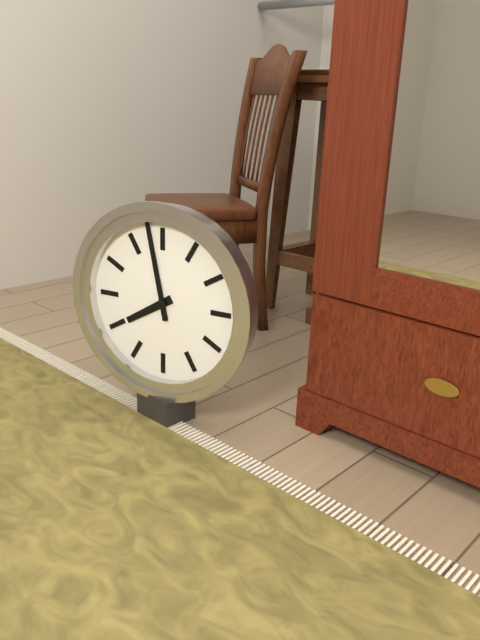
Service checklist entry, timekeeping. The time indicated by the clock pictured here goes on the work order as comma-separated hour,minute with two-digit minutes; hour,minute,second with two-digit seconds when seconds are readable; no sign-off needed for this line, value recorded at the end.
7,58
